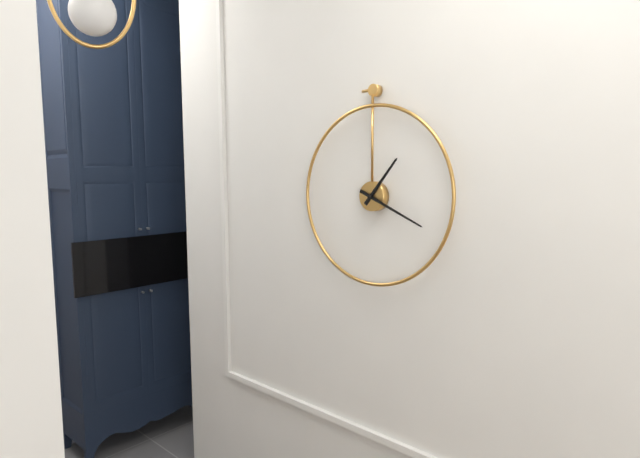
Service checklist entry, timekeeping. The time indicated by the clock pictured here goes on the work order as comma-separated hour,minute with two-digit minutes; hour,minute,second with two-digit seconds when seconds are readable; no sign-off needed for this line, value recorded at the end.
1,19
